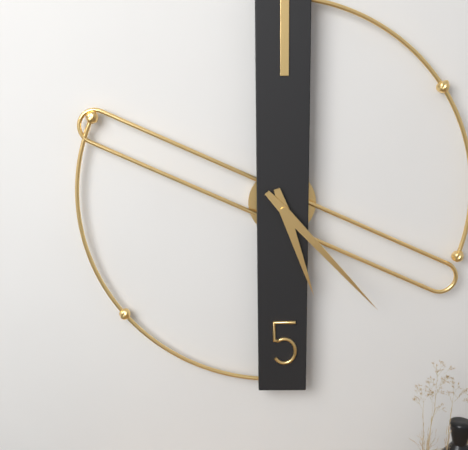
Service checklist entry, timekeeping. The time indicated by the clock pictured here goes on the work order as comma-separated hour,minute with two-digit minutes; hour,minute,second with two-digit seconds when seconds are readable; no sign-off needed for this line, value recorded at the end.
5,23
